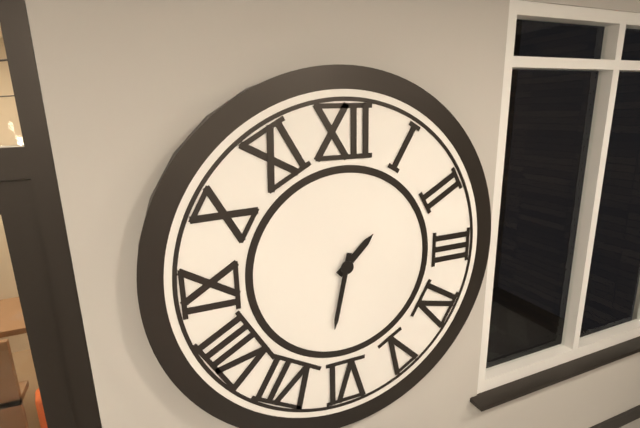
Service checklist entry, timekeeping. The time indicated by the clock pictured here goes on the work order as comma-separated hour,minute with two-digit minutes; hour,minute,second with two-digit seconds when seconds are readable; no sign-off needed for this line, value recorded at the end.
1,32
